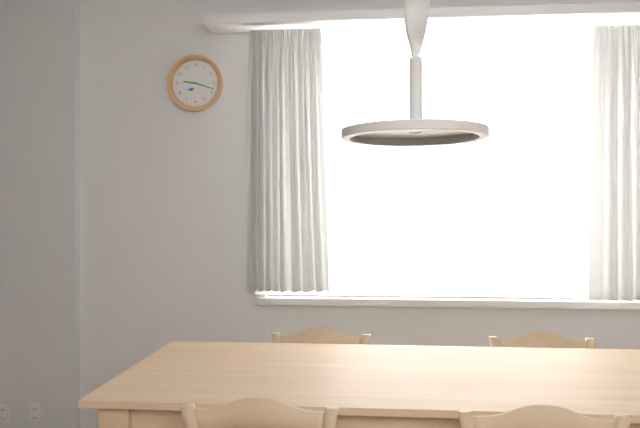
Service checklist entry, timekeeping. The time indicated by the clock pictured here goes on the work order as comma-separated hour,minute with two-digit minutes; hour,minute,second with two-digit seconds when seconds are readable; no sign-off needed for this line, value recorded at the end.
9,18
